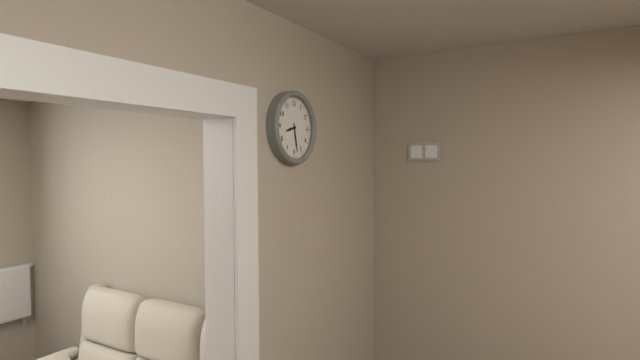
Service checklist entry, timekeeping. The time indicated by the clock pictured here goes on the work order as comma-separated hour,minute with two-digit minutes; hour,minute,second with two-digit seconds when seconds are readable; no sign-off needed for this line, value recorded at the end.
8,28
